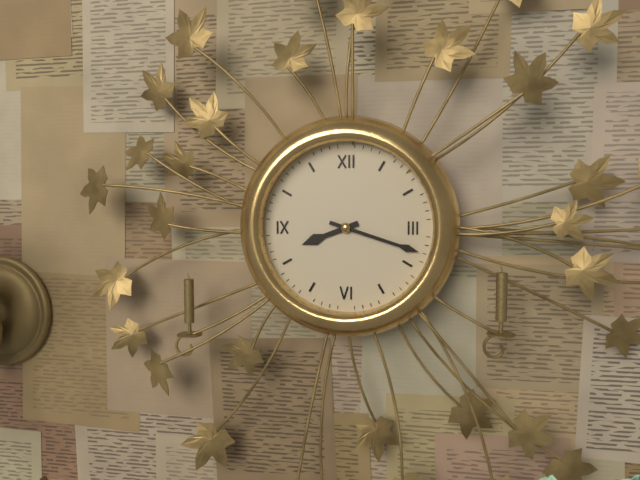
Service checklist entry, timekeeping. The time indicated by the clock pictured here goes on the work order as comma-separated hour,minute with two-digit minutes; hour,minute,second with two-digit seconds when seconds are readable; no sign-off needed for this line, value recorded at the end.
8,18
